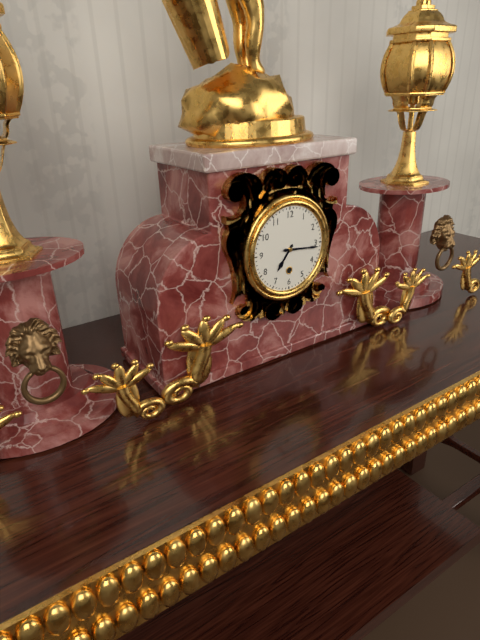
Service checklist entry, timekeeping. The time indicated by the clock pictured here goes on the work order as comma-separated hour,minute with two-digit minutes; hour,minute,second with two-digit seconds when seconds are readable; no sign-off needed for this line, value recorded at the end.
7,16
